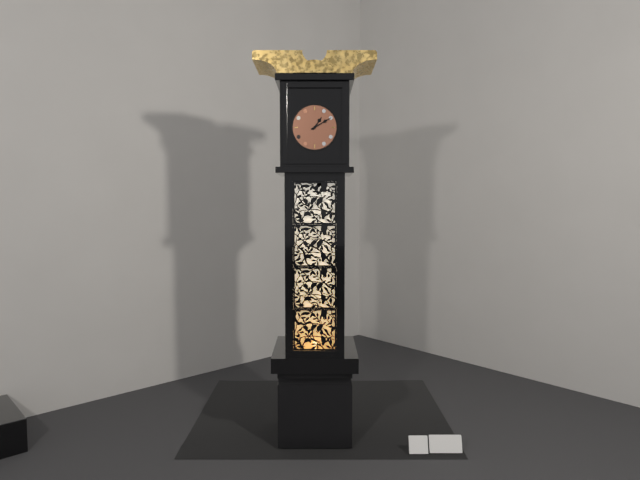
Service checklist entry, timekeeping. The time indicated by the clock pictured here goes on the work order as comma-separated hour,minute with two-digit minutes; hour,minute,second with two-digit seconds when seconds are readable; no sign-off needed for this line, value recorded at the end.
1,10
